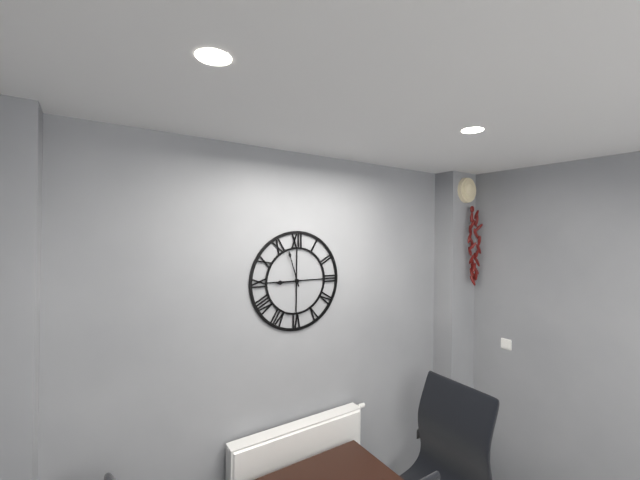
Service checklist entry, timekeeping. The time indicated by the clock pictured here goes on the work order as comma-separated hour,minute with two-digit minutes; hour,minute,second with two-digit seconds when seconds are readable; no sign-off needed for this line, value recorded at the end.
8,57
